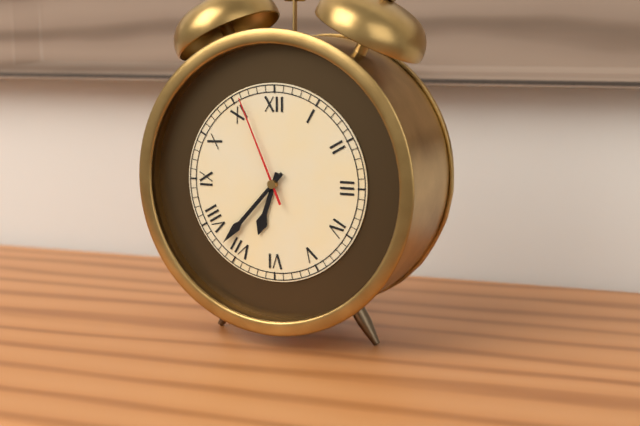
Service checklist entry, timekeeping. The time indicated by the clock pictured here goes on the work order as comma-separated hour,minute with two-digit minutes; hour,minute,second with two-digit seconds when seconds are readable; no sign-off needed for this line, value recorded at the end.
6,37,56
